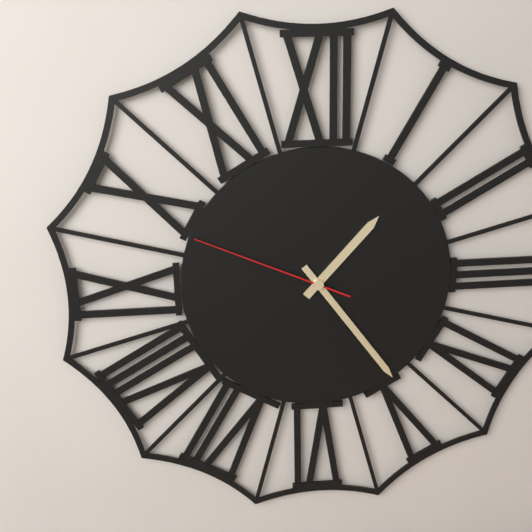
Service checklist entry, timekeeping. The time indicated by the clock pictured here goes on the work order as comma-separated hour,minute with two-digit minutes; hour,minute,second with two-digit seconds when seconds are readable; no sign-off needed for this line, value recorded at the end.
1,24,49
